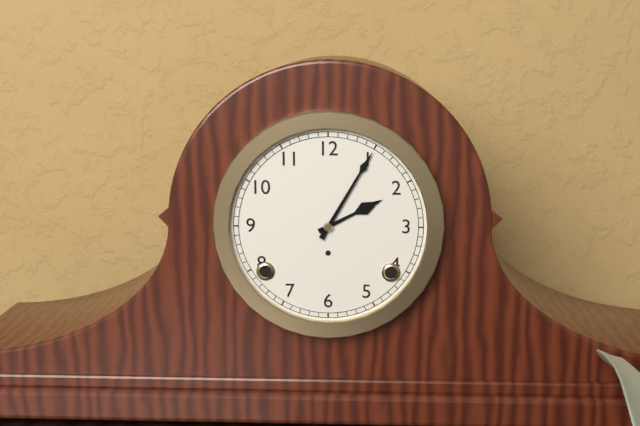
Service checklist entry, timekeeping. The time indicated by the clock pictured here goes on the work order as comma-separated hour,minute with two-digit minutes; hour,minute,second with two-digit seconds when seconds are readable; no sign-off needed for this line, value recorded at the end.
2,05
